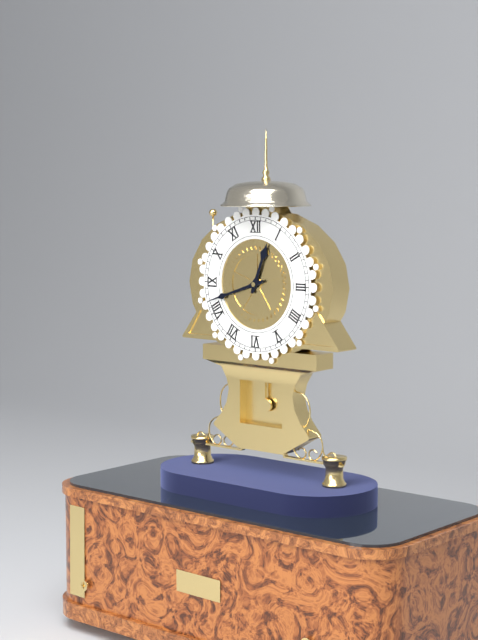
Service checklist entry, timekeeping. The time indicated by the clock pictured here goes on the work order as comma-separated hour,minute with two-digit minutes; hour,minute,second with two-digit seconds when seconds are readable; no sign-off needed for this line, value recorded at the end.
12,42
